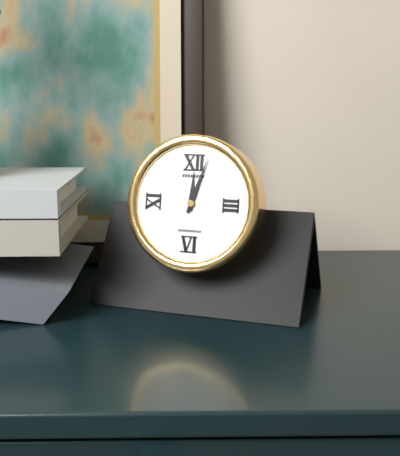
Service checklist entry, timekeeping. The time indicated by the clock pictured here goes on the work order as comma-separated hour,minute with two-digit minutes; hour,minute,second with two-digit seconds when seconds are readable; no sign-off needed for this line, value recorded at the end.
12,03
